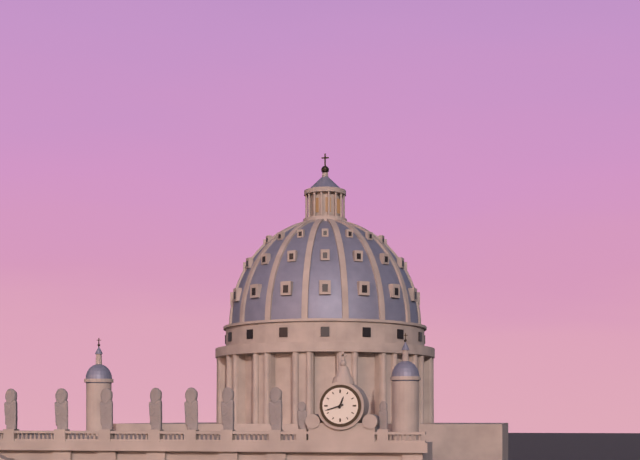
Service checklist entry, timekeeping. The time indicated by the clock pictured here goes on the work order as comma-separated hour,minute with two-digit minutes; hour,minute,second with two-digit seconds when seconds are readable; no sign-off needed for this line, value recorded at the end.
12,42
